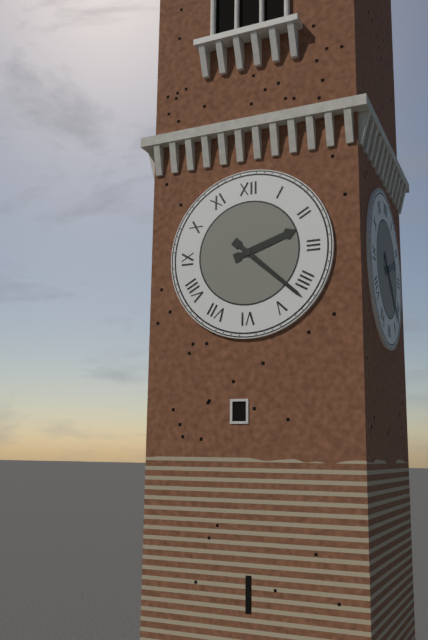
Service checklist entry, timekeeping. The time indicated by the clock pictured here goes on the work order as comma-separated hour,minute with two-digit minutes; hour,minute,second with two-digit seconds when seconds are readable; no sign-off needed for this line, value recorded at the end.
2,22
